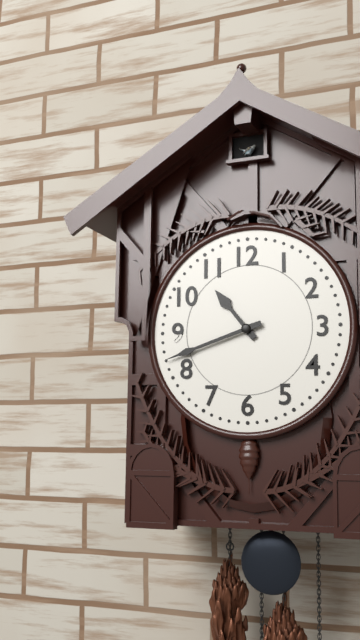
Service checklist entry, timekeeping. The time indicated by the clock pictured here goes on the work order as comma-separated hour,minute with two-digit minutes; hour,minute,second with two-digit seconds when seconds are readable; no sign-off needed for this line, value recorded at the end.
10,42
